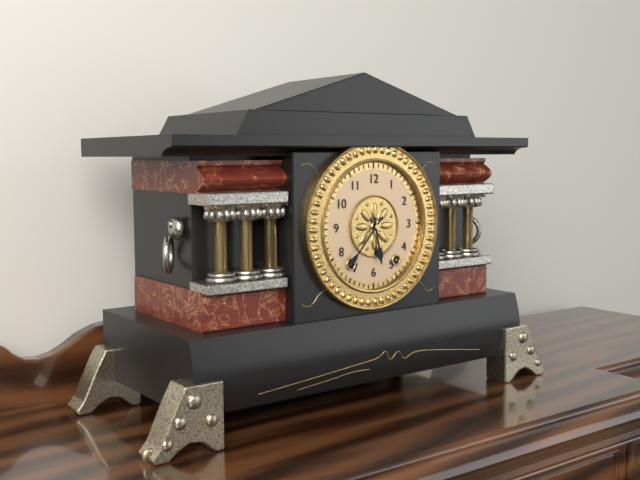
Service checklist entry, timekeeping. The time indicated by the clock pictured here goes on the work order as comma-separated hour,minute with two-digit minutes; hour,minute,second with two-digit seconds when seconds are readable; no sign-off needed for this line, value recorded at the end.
5,37
